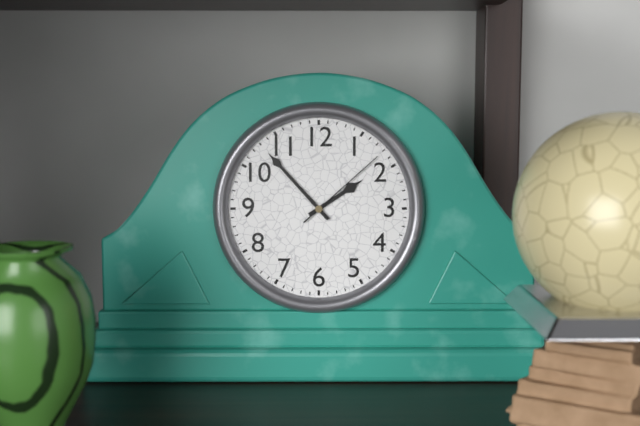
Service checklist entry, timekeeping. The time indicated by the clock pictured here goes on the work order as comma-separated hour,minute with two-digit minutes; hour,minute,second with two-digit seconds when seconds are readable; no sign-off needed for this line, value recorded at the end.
1,53,08
